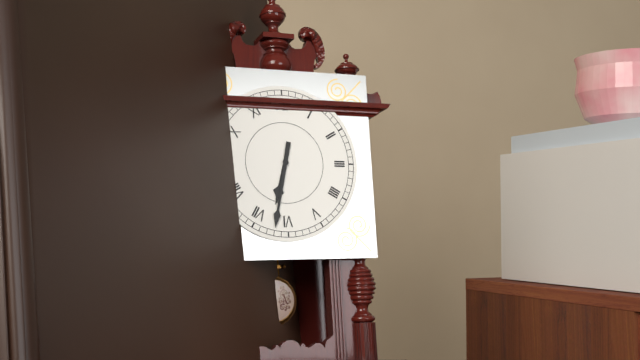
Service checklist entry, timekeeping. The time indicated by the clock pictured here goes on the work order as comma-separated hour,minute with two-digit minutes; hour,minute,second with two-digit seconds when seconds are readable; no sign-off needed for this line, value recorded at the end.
6,32
